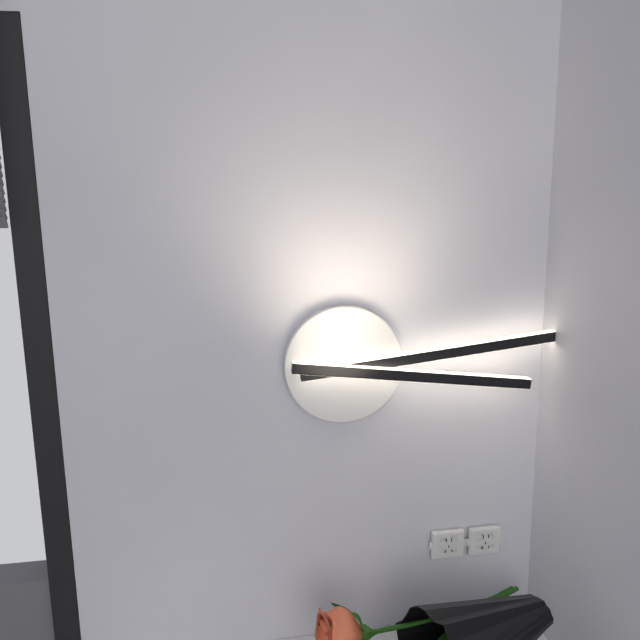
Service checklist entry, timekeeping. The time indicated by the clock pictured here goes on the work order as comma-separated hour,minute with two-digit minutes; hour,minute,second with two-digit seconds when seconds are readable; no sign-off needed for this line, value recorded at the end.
3,14
